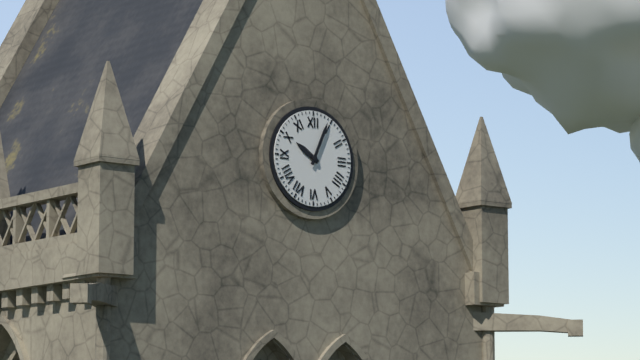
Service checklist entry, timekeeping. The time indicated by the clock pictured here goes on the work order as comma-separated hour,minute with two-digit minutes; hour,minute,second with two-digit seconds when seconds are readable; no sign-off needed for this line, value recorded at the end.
10,04
